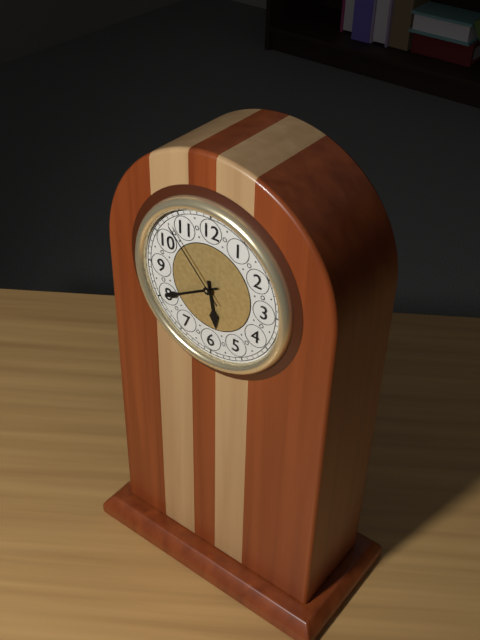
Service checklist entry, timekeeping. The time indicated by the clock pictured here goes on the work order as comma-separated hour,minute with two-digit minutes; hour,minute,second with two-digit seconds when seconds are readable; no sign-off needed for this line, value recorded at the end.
5,40,53
